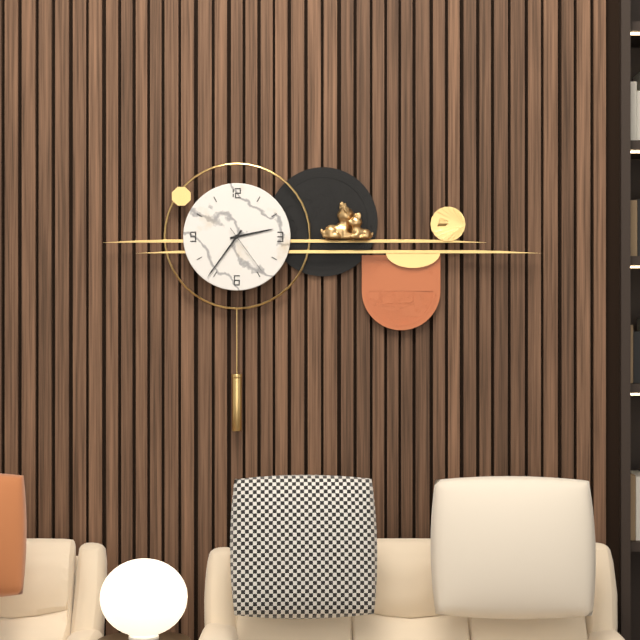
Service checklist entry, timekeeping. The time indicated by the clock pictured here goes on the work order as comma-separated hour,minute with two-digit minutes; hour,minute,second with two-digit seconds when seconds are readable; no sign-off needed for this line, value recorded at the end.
2,36,24
